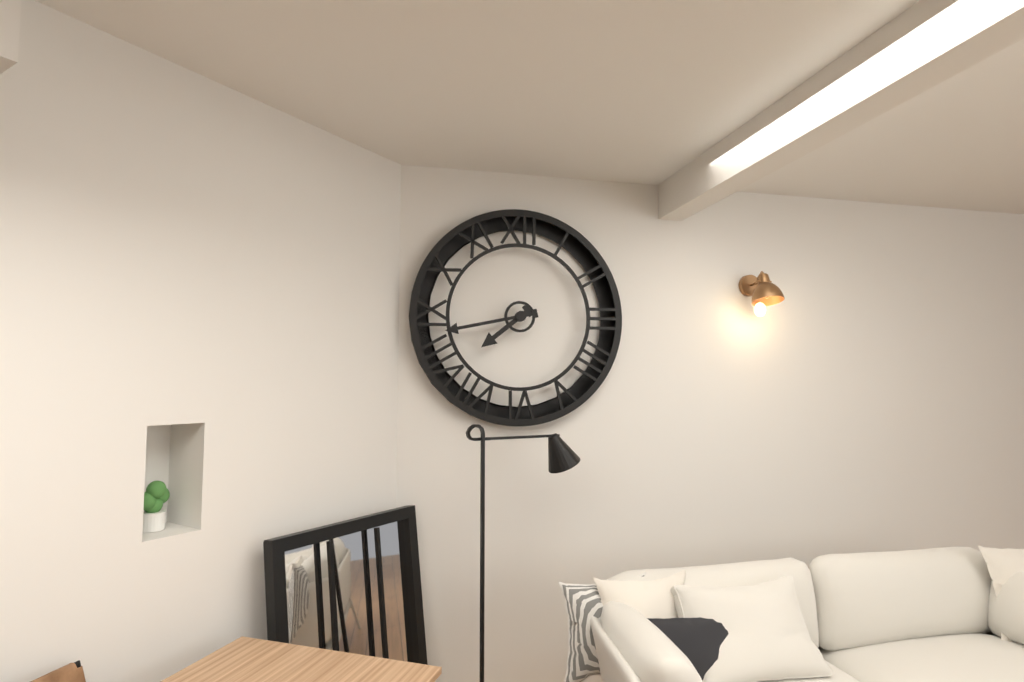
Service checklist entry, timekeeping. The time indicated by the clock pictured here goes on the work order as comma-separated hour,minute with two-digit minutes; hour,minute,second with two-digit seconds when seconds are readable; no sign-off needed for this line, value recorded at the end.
7,43
